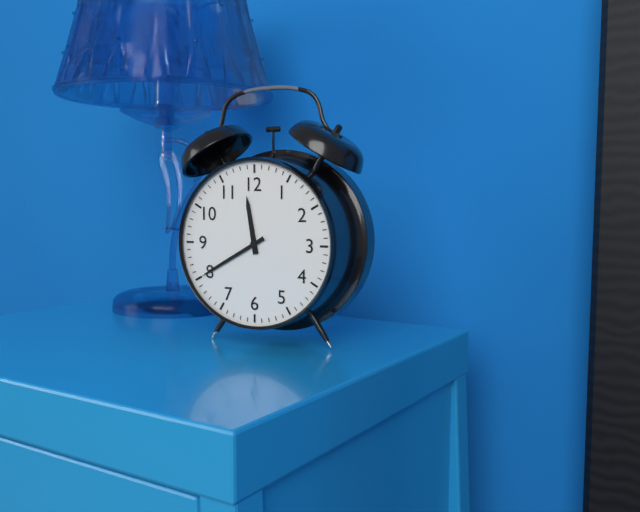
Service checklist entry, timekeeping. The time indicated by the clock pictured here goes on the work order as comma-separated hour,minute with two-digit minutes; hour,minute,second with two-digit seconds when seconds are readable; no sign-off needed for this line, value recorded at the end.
11,40
